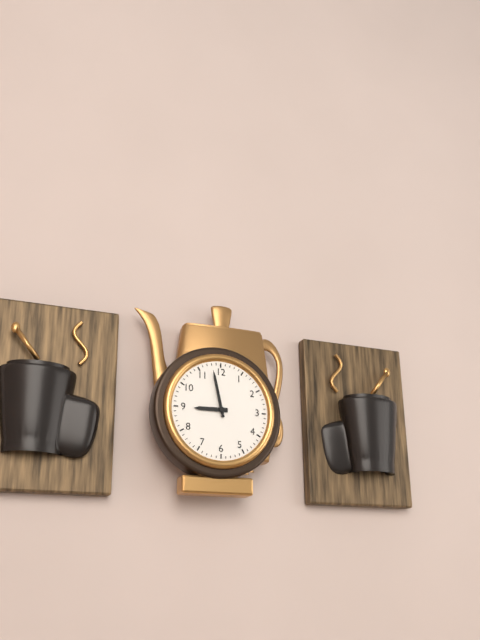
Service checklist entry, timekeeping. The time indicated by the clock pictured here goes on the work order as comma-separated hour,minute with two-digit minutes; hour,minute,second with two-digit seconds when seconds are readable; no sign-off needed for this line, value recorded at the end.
8,58
